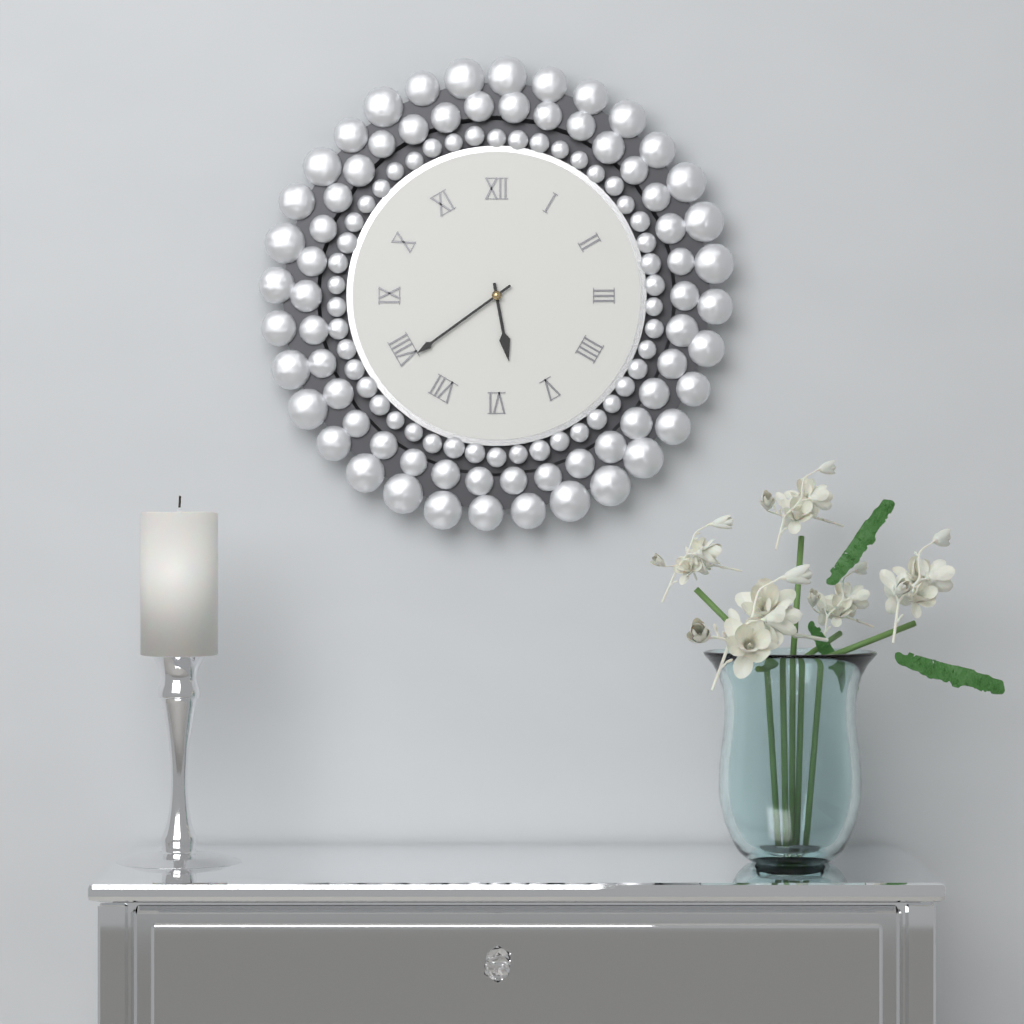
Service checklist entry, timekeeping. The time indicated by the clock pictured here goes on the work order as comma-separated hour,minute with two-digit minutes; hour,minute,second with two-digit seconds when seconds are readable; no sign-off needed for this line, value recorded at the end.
5,39
